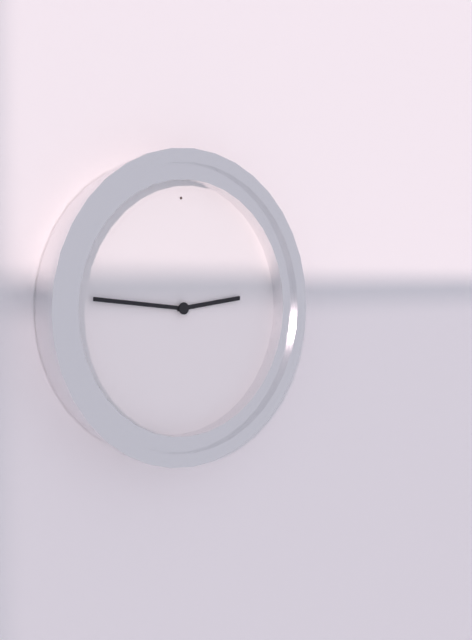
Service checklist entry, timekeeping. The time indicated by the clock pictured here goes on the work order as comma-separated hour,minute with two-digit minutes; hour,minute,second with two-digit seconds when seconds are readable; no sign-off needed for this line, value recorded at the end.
2,46
